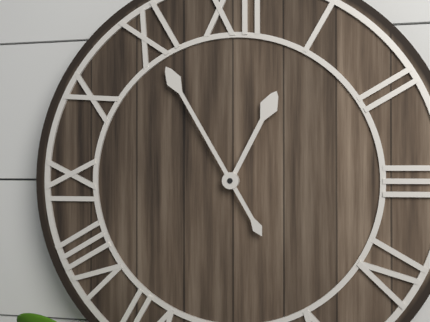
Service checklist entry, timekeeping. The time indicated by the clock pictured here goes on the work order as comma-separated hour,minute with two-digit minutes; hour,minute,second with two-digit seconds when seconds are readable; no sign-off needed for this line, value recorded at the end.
12,55
